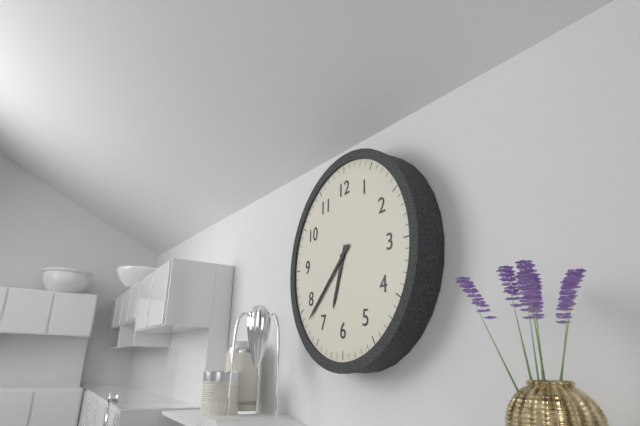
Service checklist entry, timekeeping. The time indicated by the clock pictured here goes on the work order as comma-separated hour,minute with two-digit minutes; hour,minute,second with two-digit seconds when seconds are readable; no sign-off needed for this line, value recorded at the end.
6,38
